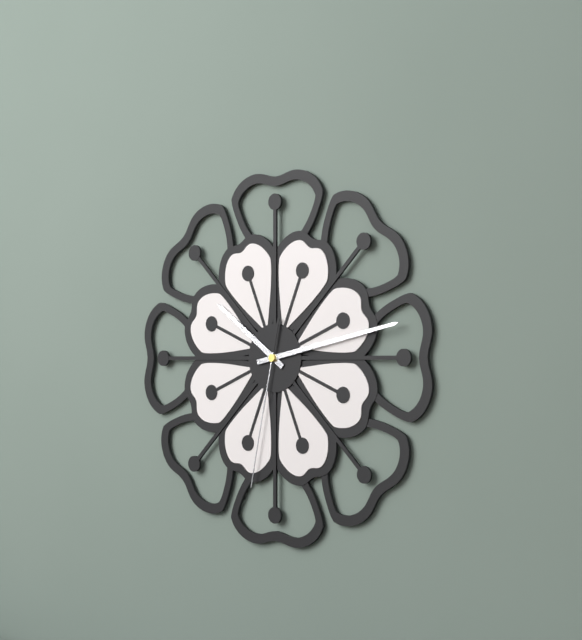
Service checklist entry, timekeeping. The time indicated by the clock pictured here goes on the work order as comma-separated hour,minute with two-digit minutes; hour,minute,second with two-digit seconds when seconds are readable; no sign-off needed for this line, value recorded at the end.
10,13,32
